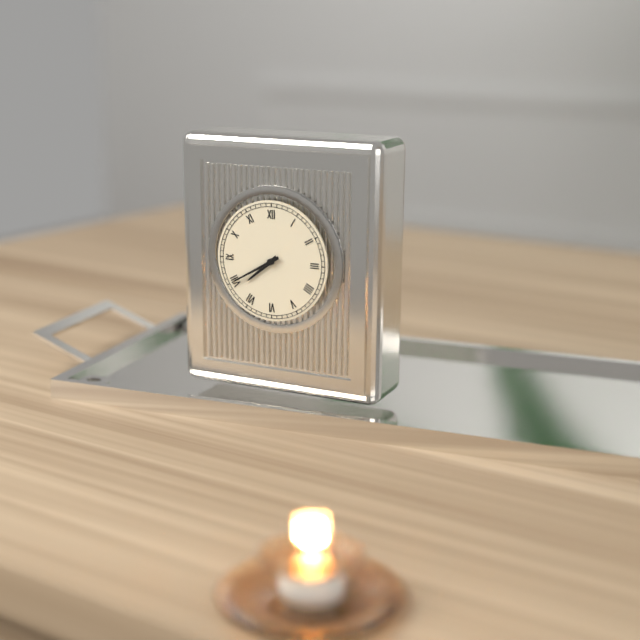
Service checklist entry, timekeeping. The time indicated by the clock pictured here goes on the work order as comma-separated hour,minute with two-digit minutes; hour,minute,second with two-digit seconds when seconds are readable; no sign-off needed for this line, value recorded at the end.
7,40
